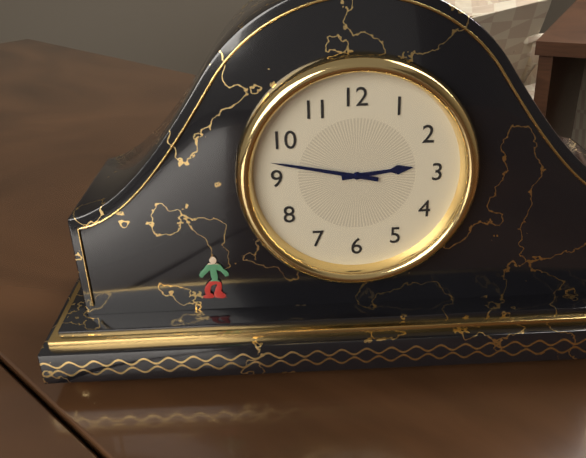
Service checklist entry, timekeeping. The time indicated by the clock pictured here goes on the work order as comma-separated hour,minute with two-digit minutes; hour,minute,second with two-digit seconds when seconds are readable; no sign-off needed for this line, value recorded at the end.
2,47
